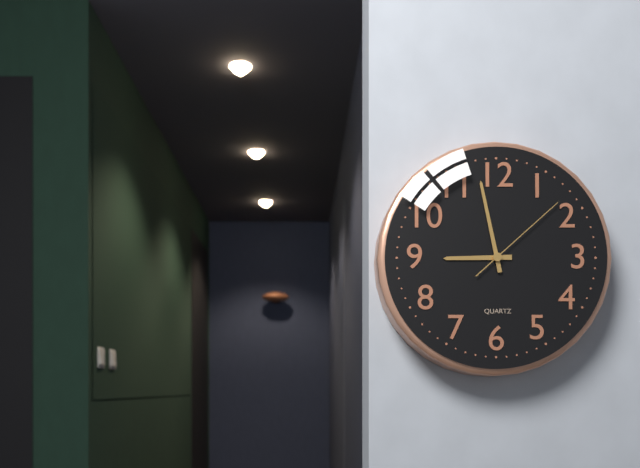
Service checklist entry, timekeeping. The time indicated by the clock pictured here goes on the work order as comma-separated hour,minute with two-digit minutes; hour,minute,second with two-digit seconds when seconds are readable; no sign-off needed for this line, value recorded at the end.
8,58,08
